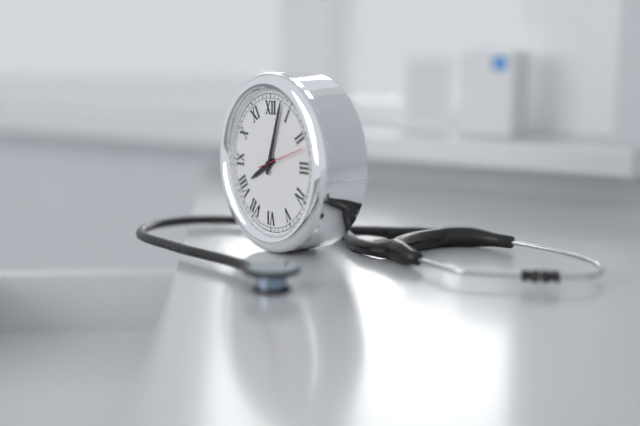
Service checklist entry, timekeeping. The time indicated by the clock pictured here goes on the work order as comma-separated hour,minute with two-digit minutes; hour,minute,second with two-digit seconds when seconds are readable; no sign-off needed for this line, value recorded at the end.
8,03
